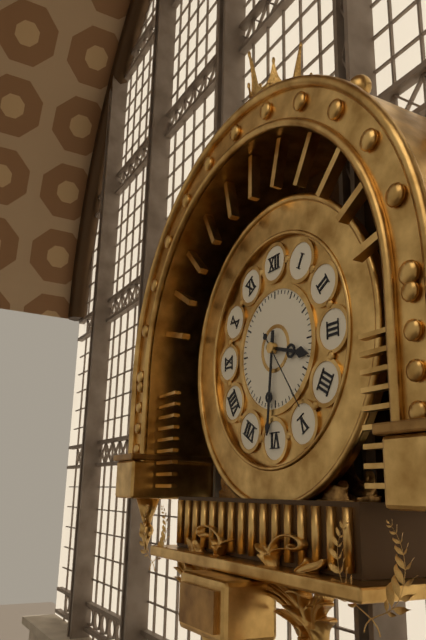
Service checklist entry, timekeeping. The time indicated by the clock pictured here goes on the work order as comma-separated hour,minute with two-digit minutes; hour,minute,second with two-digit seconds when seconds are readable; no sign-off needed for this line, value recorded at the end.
3,31,24
